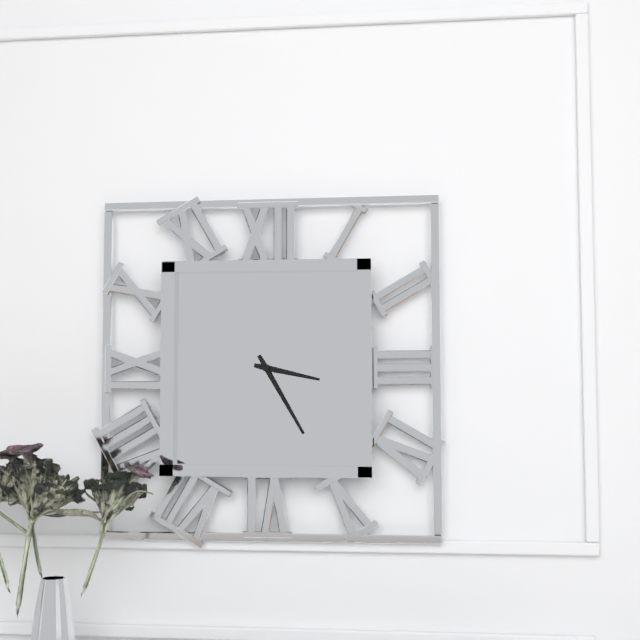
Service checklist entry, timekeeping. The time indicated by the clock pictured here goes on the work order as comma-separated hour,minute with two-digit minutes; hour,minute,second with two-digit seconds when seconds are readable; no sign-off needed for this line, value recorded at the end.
3,25
